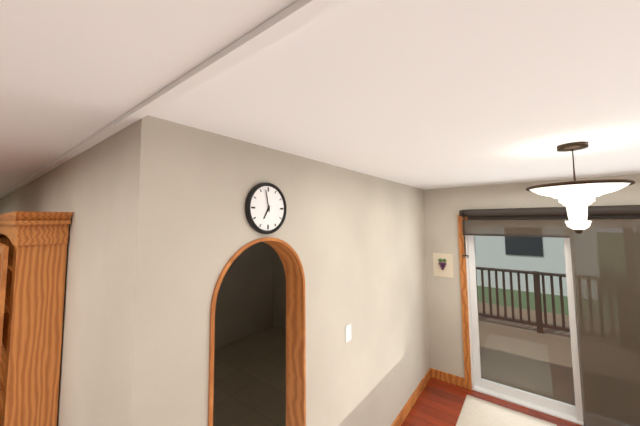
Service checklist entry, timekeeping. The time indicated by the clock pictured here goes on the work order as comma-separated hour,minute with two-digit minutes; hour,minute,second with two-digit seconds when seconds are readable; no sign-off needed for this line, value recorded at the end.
6,58
